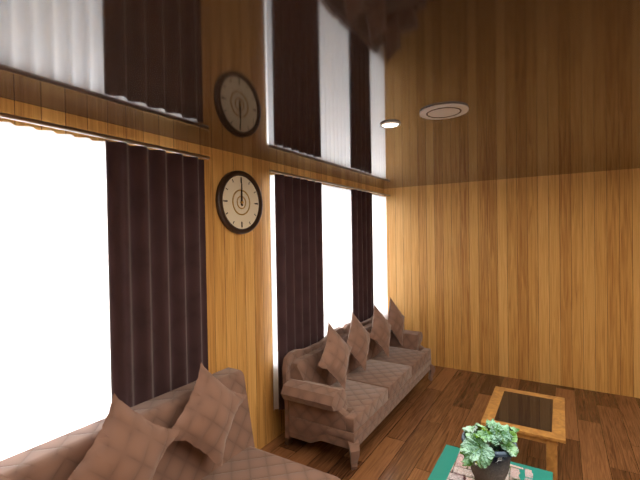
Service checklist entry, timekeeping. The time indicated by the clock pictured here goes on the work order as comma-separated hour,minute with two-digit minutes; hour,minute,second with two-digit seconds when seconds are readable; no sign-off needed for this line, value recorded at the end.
12,00
